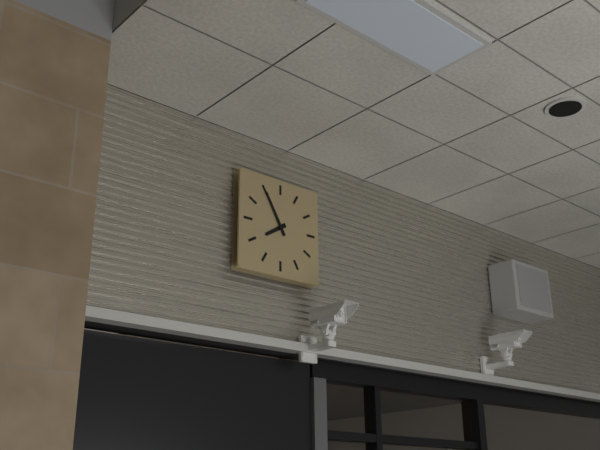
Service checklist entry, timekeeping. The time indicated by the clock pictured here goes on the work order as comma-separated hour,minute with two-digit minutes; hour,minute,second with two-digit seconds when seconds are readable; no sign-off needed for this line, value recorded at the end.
7,55
